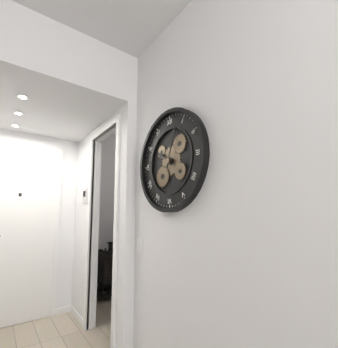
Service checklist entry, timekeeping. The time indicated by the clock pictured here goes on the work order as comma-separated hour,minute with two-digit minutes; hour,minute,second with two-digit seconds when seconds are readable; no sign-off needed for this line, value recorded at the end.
10,03
